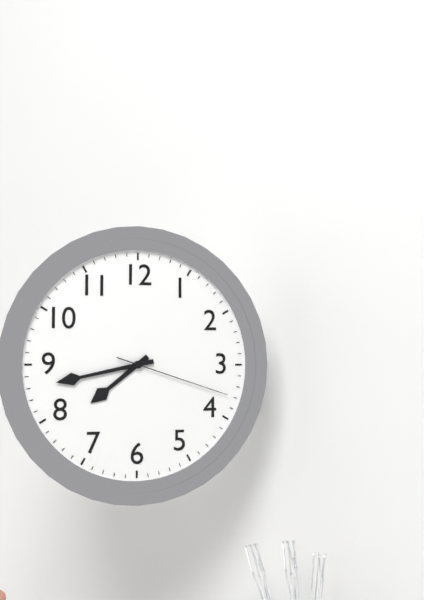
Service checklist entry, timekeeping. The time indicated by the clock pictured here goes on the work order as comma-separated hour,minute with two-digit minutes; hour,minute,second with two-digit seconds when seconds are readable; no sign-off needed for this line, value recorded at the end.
7,43,18
